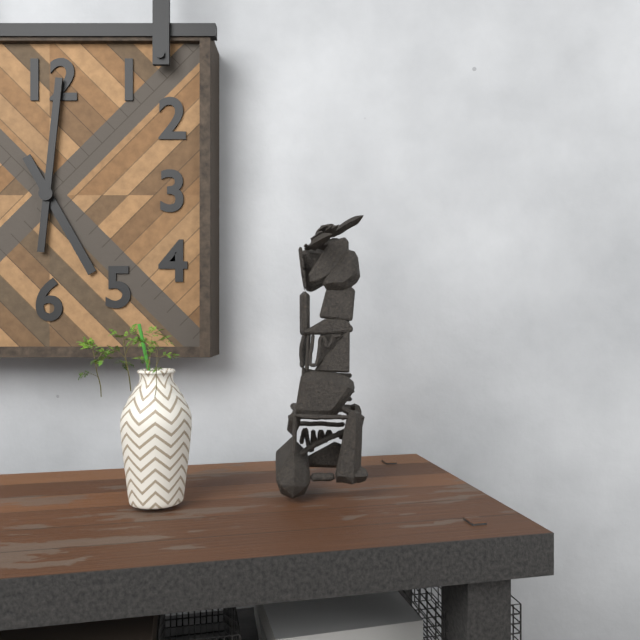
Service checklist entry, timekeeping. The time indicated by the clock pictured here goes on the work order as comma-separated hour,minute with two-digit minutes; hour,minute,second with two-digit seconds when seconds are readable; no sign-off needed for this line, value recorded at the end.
5,01
